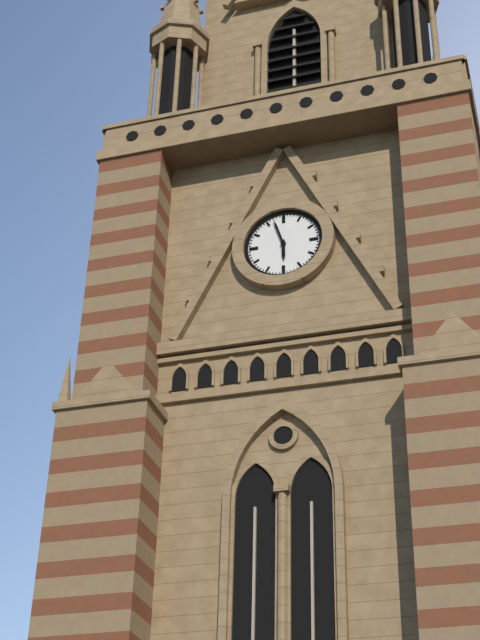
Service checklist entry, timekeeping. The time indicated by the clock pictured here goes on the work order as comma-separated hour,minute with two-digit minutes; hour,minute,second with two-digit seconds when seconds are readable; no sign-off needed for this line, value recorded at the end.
5,57
